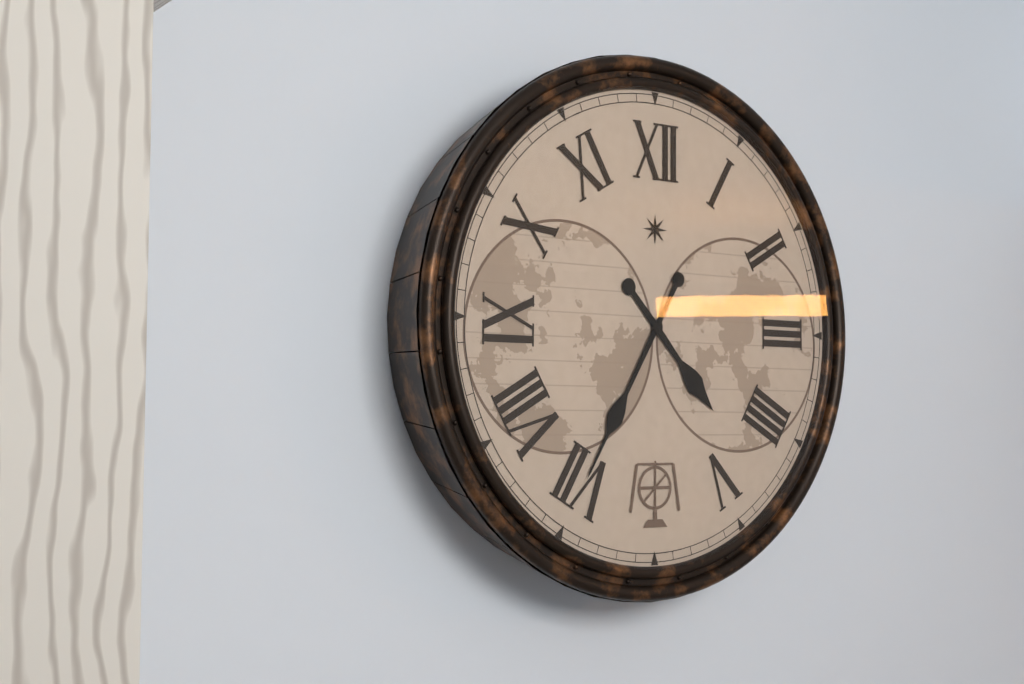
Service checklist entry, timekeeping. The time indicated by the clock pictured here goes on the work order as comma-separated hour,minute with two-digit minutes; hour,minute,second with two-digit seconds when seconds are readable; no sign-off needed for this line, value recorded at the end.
4,35
